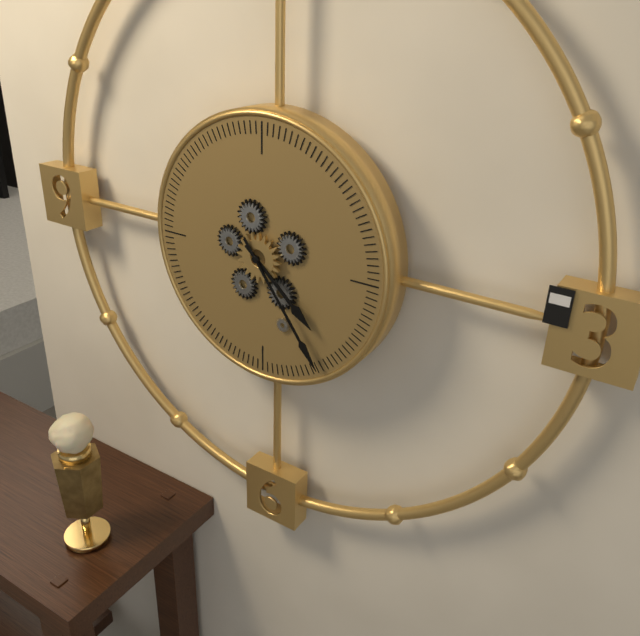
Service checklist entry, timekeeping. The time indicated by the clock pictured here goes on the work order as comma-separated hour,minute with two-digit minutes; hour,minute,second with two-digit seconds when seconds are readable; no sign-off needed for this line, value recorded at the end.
4,24
